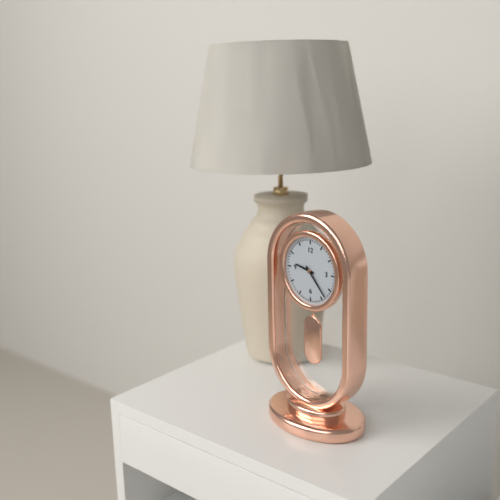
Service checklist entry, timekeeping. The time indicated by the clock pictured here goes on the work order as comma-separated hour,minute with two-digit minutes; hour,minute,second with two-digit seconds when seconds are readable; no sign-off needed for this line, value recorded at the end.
9,23
